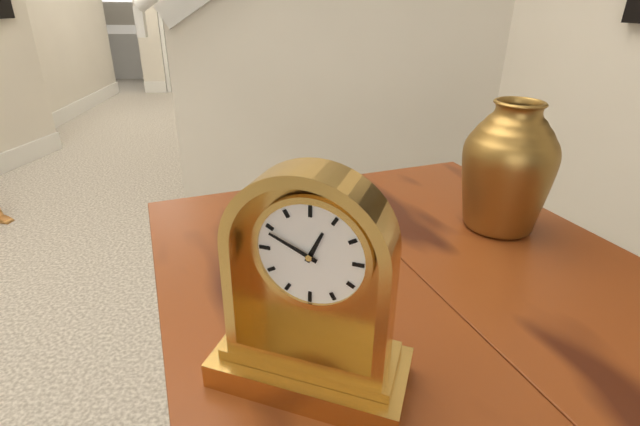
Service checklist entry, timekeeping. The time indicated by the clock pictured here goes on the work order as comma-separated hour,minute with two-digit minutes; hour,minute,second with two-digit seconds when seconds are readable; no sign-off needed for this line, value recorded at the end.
12,49
